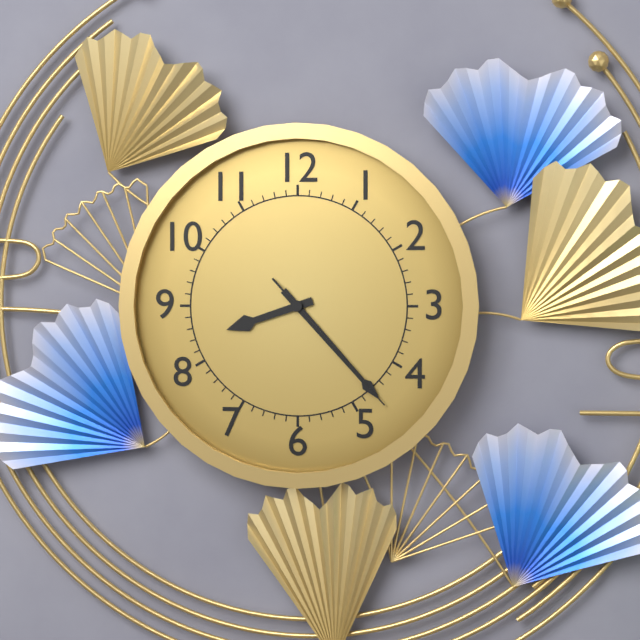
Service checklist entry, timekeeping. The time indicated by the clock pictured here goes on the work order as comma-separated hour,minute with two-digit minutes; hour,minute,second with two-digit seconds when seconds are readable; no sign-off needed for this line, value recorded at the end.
8,23,23
